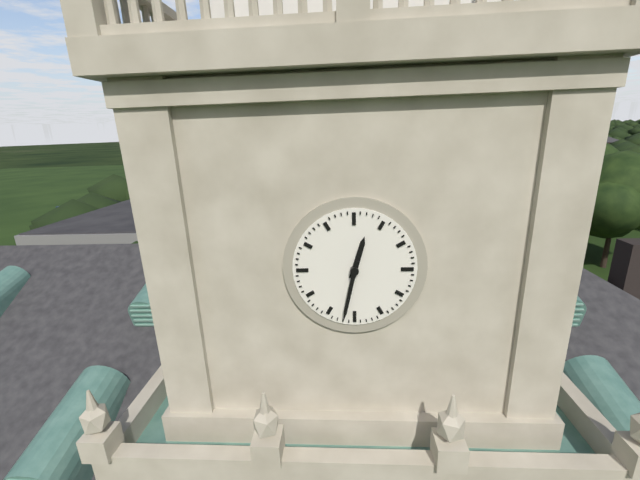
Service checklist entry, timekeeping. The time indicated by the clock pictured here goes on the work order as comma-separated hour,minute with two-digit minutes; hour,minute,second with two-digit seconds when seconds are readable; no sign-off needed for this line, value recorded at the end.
12,32
